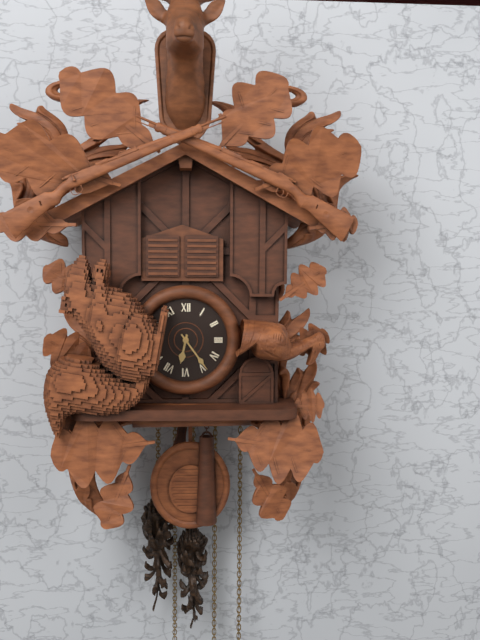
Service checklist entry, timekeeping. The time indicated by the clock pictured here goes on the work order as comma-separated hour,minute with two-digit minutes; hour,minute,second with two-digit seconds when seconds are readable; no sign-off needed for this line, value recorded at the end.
6,24
